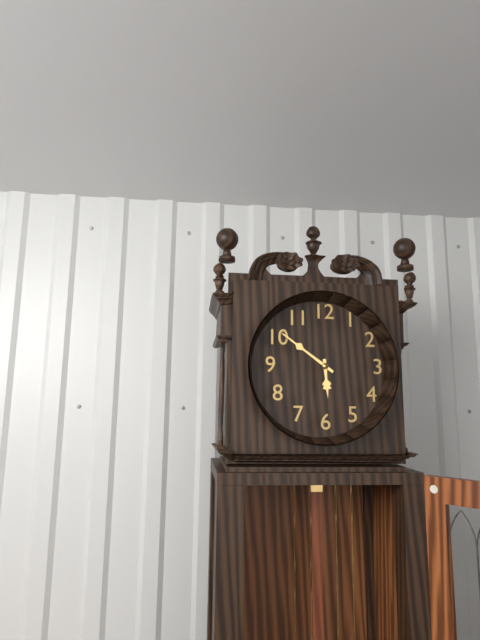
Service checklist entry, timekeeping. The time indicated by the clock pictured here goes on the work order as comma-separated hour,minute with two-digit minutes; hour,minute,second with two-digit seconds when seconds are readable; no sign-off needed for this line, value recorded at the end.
5,51
